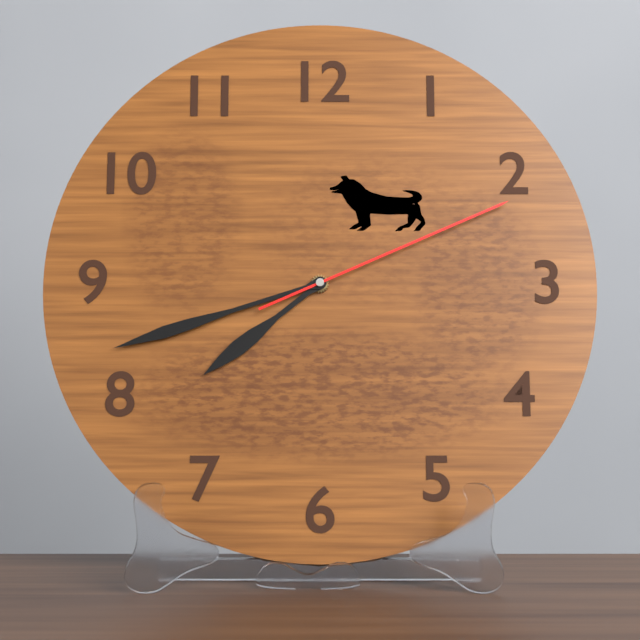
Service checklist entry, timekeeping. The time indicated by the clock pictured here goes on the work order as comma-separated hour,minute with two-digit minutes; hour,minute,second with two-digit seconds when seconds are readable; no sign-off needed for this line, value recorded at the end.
7,42,11
